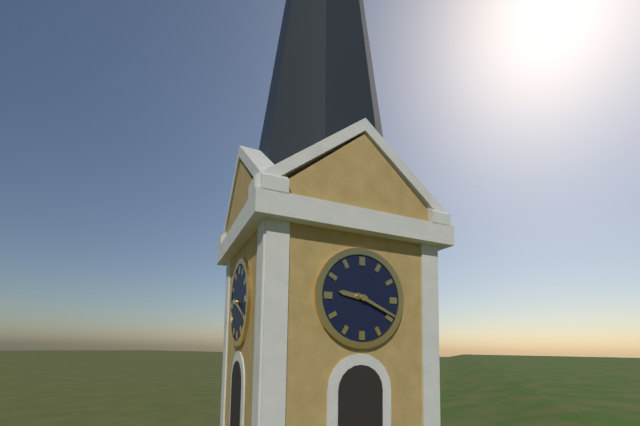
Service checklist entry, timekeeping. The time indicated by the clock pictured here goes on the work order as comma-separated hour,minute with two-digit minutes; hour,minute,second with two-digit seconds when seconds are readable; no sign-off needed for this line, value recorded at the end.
9,19
